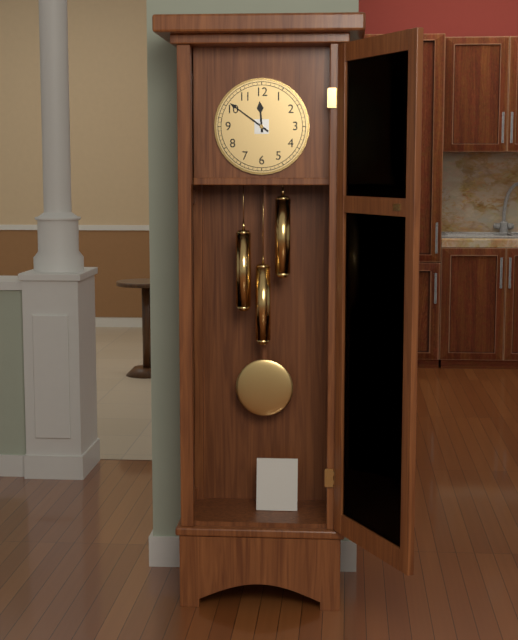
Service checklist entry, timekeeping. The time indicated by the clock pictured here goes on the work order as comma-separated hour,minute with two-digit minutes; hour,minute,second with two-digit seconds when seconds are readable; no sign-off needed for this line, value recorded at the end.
11,51
